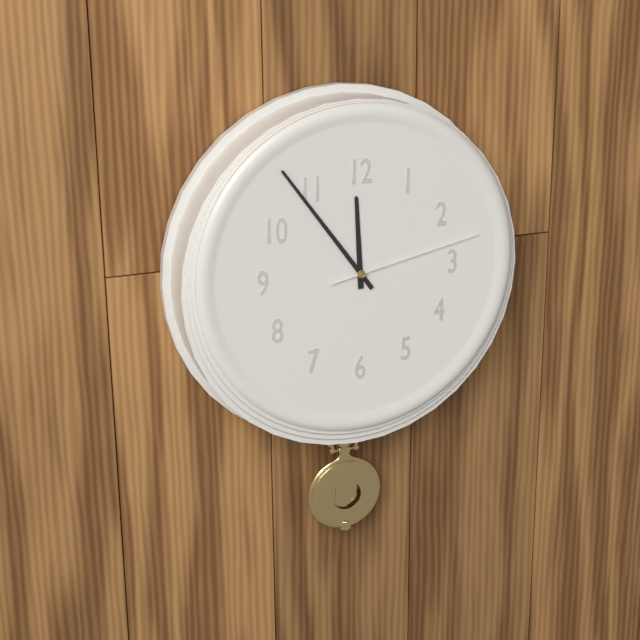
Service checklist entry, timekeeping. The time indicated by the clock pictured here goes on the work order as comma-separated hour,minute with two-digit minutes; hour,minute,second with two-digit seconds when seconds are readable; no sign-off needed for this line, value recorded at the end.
11,54,13
